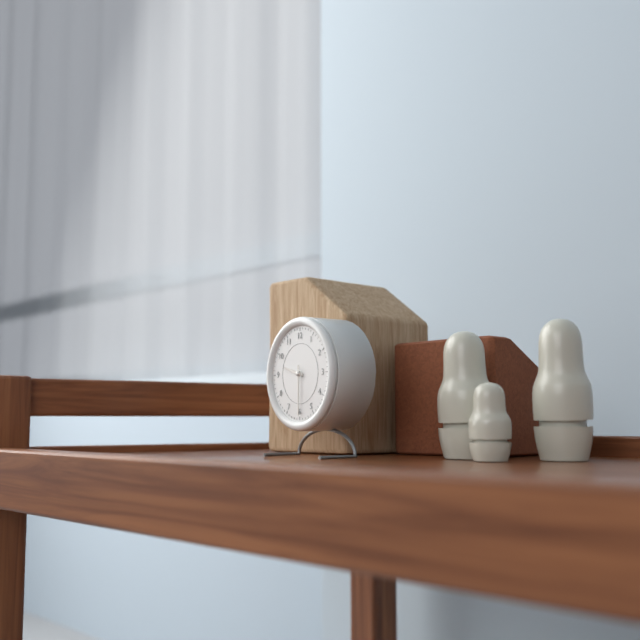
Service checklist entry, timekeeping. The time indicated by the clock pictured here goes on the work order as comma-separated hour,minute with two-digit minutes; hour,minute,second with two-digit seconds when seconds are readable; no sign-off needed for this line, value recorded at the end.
9,30
